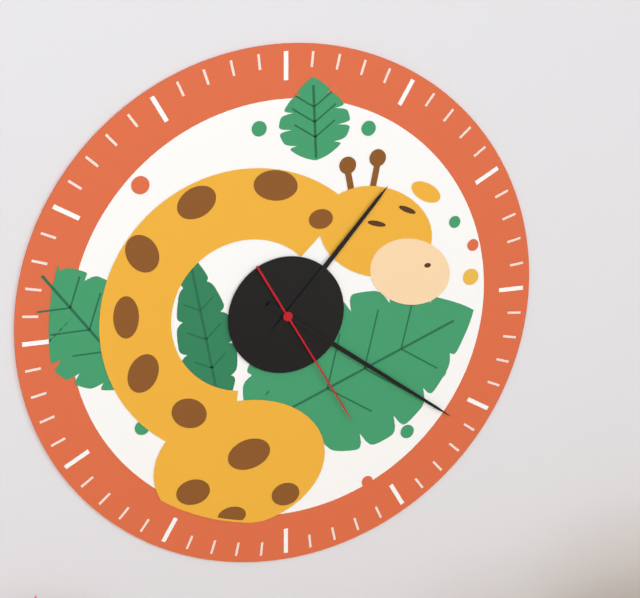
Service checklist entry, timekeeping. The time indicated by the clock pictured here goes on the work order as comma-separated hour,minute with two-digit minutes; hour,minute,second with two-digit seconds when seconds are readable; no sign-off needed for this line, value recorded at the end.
1,21,25
